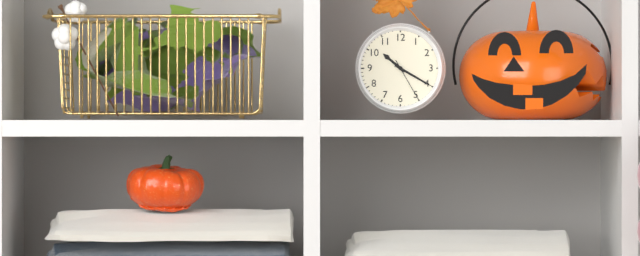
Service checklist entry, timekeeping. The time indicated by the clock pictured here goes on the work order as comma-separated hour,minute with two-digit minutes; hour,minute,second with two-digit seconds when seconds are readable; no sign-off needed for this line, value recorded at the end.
10,20
